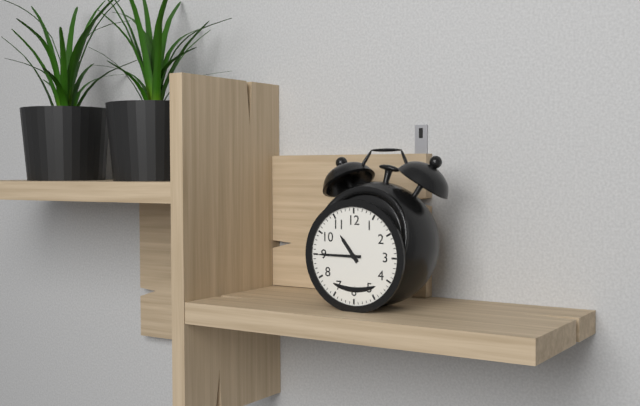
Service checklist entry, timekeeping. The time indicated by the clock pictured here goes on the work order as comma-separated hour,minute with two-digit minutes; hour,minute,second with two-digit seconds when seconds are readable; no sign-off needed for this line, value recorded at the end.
10,45
